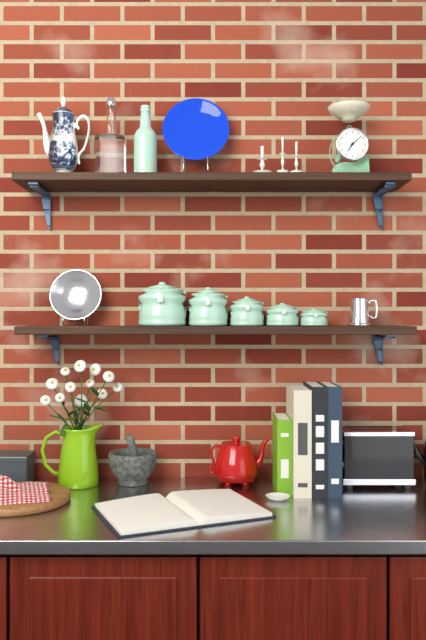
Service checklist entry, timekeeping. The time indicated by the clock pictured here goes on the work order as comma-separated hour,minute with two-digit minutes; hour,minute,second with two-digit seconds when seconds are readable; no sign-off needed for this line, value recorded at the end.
7,08
